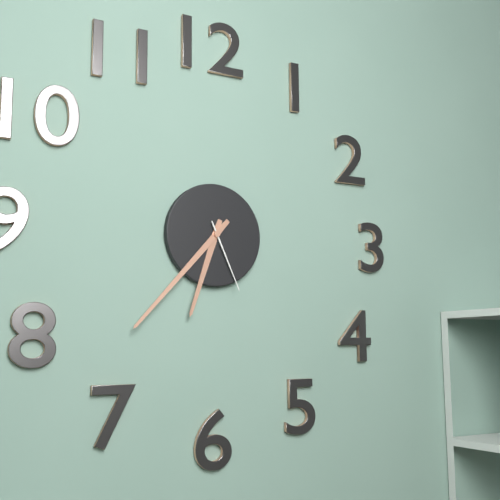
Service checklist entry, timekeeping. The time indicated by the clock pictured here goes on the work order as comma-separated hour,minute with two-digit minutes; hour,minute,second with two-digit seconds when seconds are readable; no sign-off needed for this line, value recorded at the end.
6,37,26
